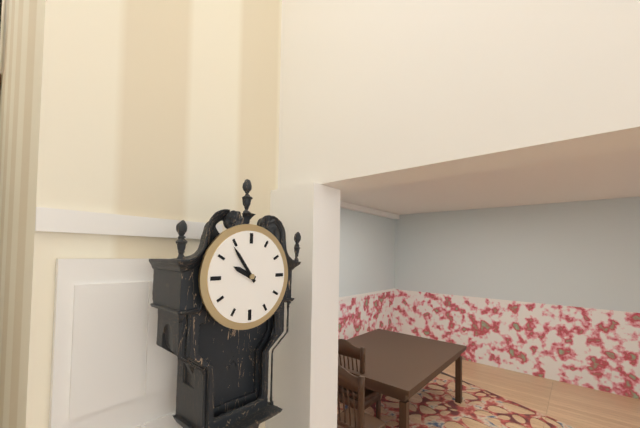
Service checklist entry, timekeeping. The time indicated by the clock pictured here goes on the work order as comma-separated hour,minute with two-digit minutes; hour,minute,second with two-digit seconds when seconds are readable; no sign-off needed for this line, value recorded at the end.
9,54
